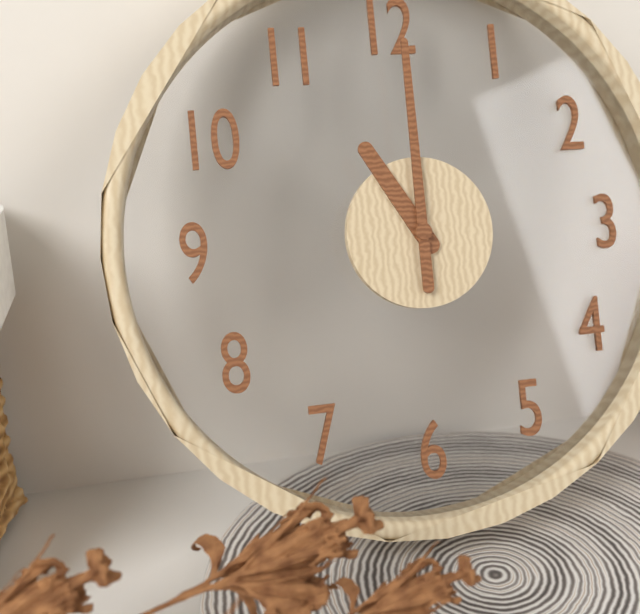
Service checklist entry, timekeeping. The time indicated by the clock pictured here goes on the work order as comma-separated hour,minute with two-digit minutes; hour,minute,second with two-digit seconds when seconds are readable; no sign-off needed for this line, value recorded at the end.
11,00
